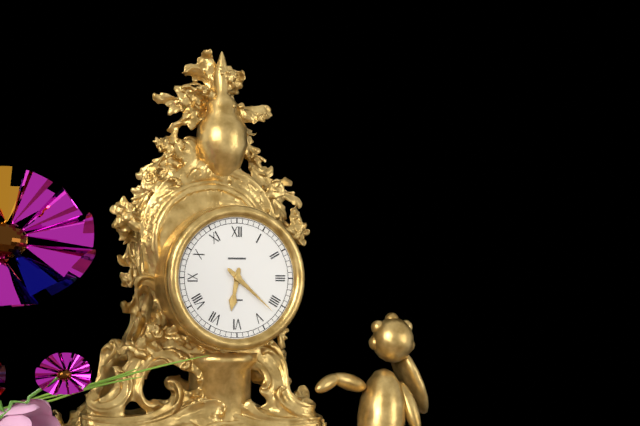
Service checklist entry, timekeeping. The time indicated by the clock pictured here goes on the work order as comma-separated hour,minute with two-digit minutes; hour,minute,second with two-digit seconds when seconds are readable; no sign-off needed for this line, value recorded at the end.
6,22
